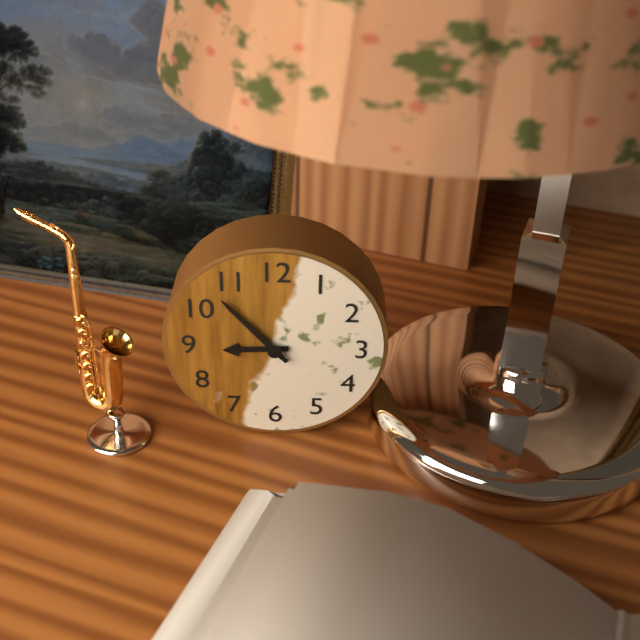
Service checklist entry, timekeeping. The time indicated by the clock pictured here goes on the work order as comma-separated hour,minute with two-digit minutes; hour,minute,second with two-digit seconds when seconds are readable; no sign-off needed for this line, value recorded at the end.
8,53
